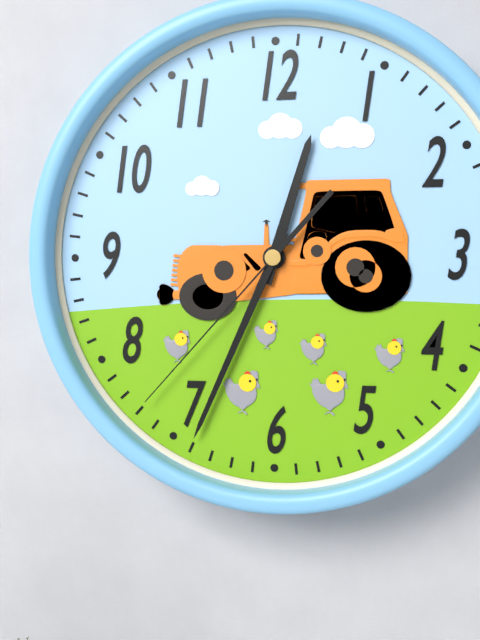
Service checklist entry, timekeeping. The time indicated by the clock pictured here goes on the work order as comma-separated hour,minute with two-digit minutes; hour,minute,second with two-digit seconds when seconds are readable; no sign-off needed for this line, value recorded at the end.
12,34,37
